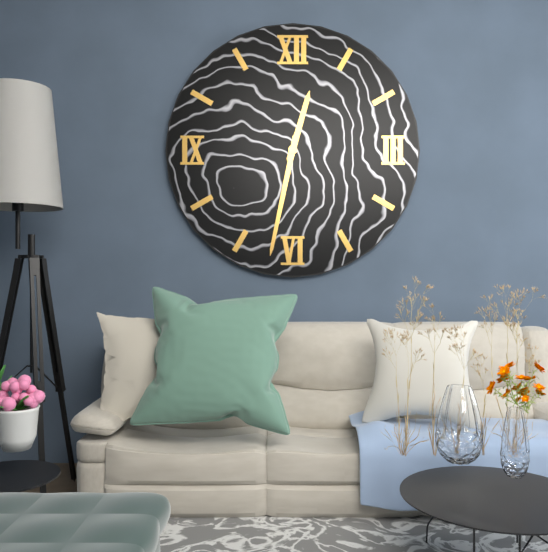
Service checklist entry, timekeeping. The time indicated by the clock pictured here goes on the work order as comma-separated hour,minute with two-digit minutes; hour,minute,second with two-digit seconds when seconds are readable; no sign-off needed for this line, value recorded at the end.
12,32
